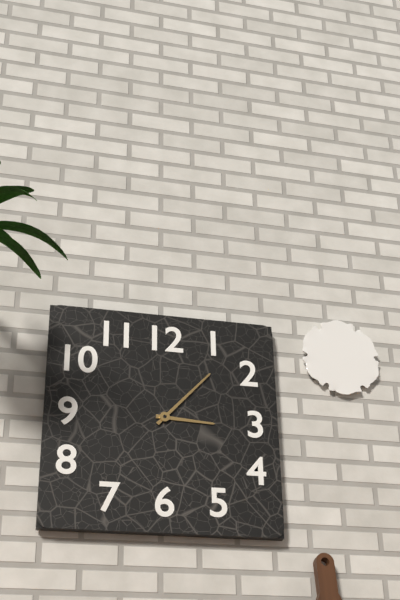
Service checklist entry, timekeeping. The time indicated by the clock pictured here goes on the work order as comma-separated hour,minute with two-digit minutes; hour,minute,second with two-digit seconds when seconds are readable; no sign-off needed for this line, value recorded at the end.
3,07
